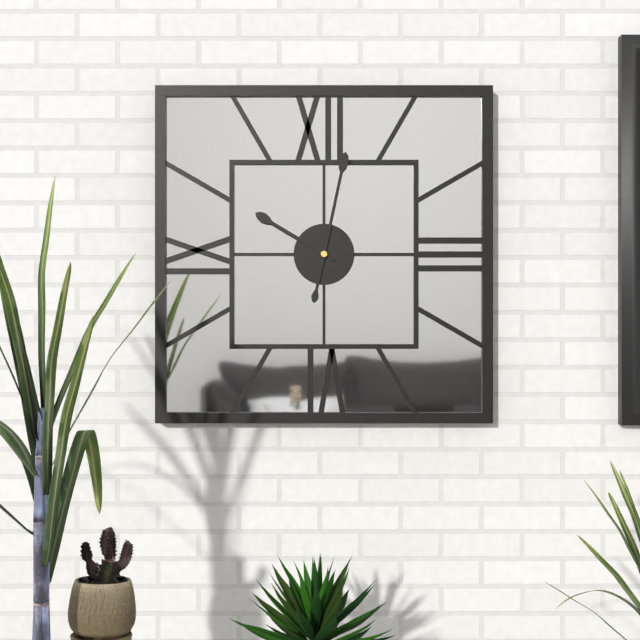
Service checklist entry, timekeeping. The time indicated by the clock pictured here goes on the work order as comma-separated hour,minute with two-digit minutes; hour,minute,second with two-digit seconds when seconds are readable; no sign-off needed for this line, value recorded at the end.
10,02
